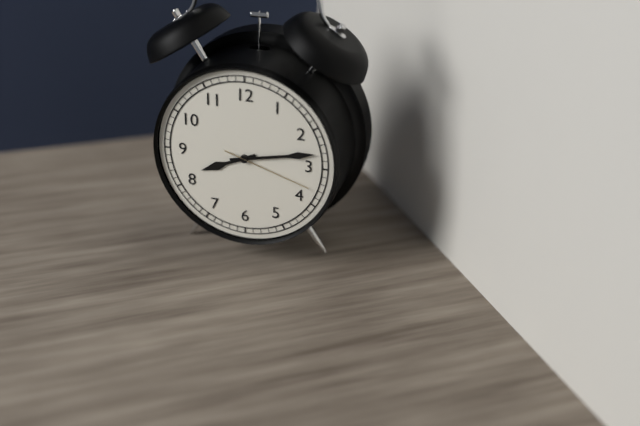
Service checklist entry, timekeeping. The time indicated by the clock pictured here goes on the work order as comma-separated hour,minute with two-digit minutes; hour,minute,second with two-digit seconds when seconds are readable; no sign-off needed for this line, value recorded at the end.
8,13,18
